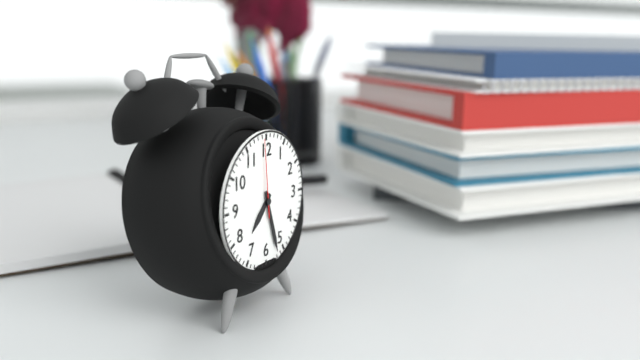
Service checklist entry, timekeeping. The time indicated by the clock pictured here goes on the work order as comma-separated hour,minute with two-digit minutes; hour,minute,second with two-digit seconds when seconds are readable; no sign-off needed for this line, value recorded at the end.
7,27,59
